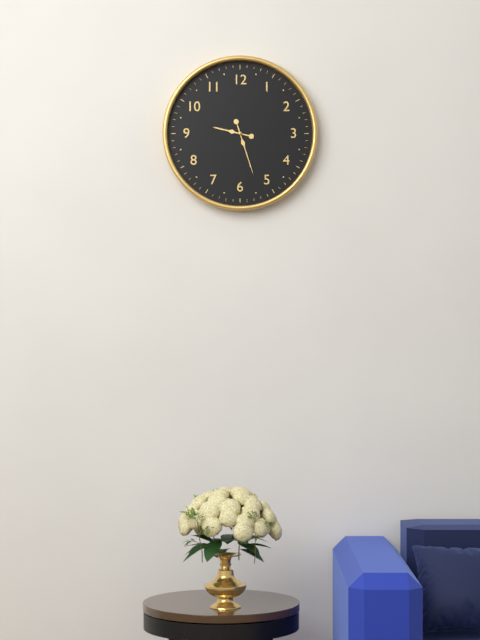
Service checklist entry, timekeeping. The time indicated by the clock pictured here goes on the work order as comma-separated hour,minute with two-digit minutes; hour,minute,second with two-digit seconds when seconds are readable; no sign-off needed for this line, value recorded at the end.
9,27,27
